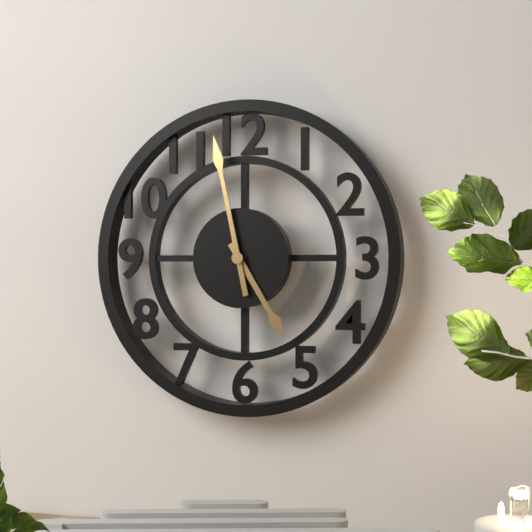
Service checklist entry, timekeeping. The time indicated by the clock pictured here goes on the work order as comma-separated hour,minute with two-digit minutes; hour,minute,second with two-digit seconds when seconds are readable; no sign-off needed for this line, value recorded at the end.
4,58
